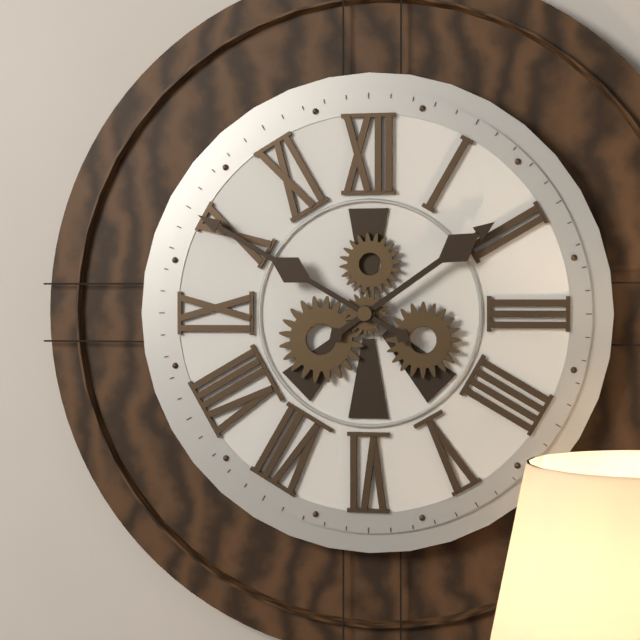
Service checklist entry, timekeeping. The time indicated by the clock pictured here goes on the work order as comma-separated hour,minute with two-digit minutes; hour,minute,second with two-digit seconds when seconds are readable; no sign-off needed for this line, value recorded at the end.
1,50
